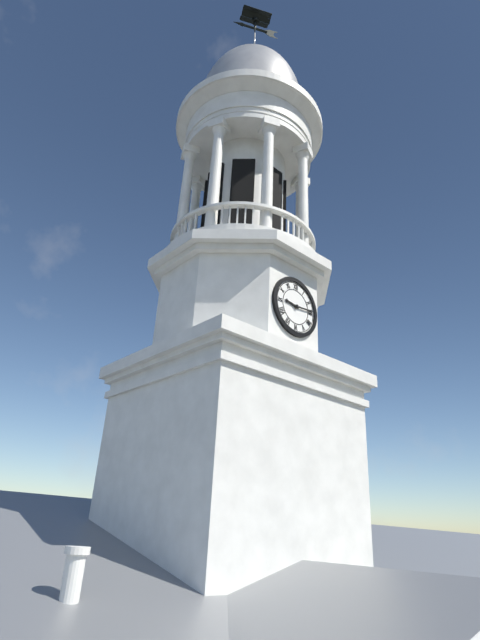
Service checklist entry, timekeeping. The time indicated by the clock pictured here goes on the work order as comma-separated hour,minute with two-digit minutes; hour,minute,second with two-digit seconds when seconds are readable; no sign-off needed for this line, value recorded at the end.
9,14
